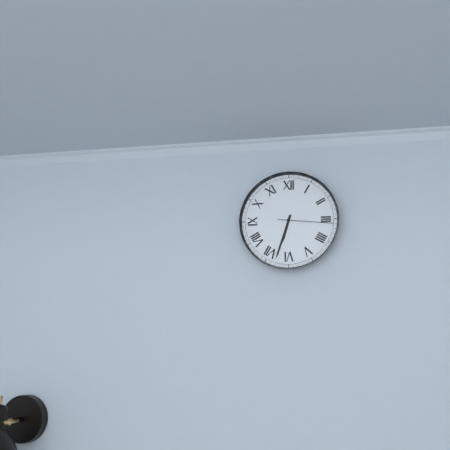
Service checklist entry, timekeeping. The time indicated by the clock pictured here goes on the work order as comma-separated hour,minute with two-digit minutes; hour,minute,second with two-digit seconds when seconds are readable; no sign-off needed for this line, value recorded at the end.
6,33,16
